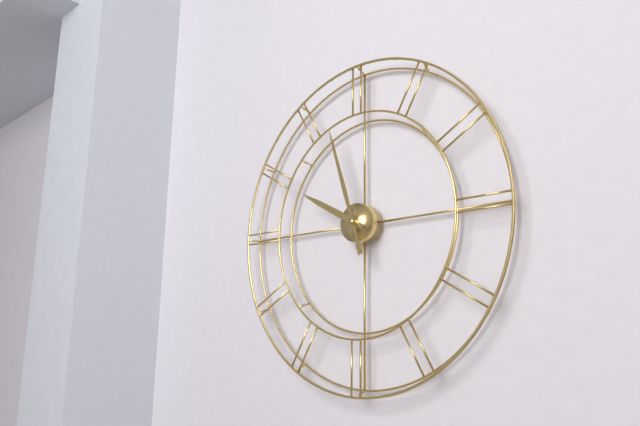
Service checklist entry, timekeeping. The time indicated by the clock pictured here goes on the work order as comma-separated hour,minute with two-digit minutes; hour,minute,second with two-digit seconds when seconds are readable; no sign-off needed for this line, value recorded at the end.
9,57
